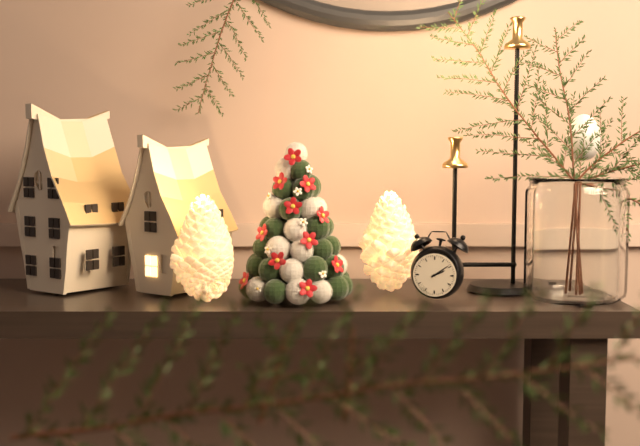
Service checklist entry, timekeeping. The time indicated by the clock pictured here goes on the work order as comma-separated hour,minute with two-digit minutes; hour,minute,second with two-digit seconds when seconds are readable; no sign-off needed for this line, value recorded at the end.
2,09
